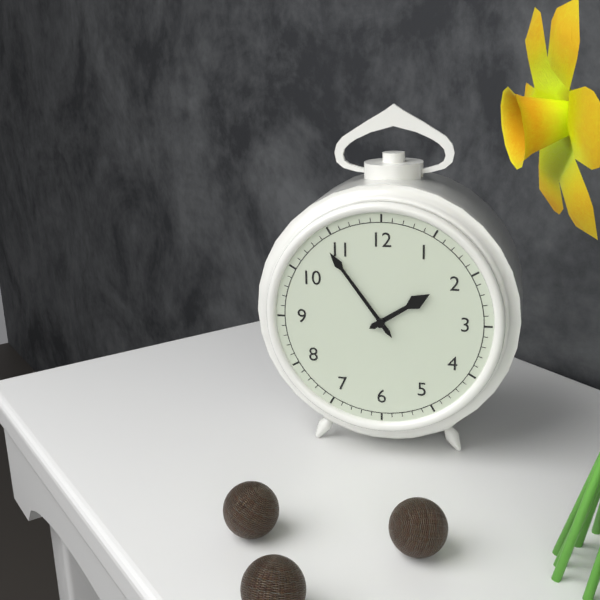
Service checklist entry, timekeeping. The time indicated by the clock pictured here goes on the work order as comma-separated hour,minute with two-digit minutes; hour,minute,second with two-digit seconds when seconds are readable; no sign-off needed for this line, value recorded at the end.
1,54
